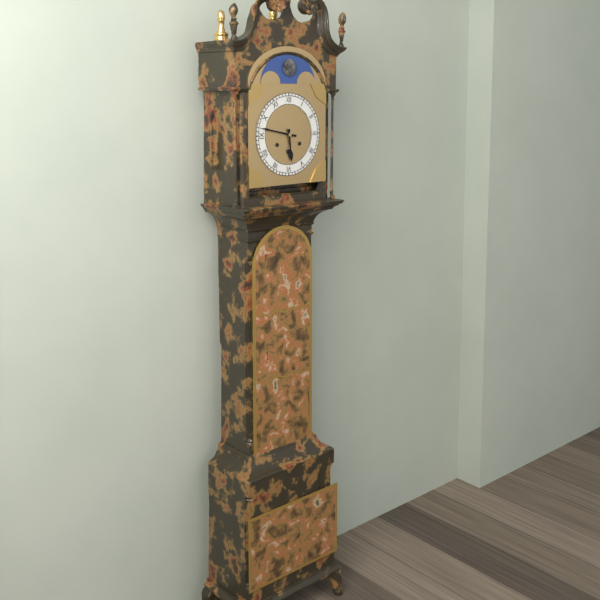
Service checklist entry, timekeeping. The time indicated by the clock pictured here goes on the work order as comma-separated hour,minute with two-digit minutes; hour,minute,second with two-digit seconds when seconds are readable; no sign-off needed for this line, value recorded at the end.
5,47
